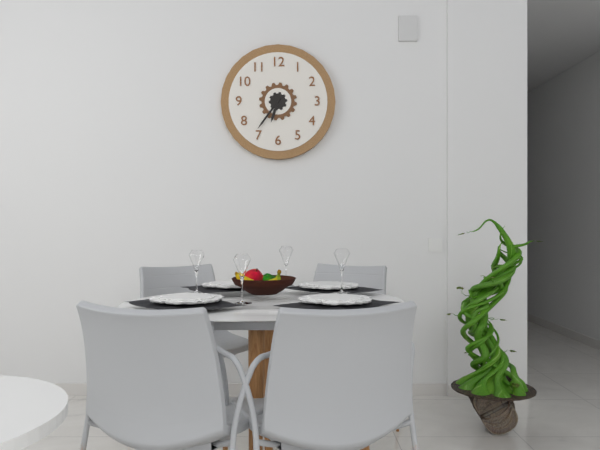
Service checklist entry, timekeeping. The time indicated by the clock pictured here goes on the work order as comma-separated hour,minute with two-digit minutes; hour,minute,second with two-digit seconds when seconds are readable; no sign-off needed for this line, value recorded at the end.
6,36
